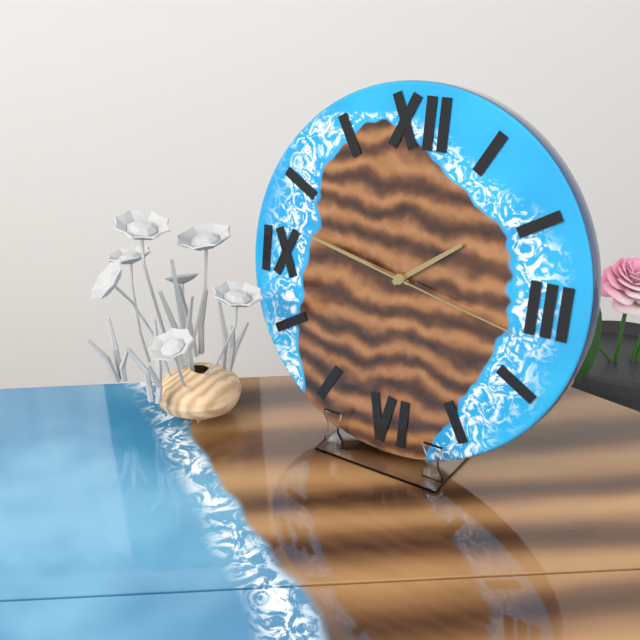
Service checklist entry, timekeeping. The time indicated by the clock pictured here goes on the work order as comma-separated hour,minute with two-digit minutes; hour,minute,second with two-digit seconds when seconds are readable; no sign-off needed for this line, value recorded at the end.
1,47,17
